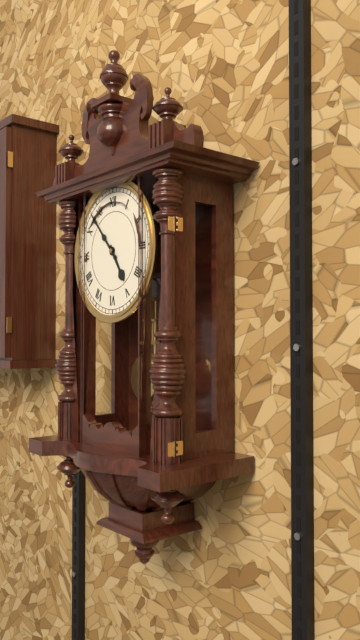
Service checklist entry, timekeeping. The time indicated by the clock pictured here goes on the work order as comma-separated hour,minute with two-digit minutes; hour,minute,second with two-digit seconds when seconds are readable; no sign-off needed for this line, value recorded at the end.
4,53
